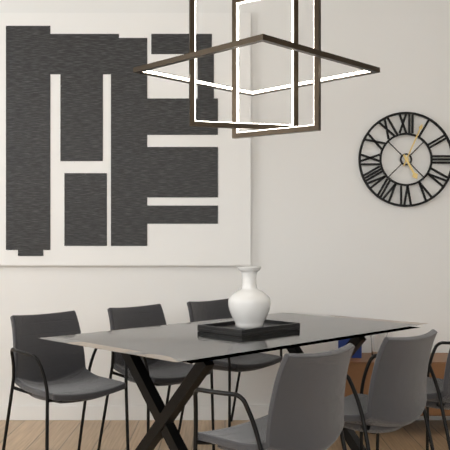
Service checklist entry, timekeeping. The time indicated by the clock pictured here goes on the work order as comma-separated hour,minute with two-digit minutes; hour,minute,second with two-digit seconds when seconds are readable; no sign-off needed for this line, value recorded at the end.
5,04
